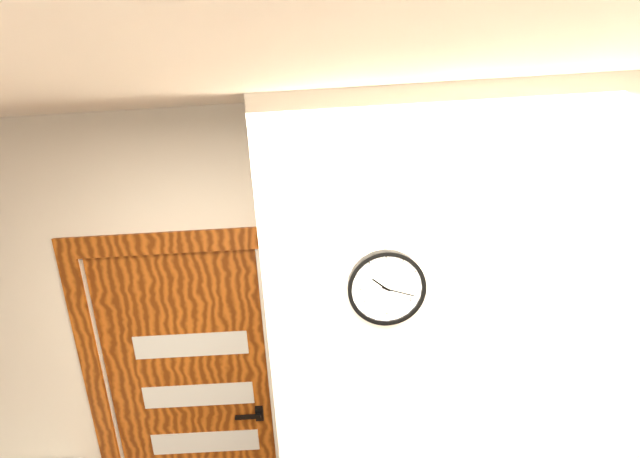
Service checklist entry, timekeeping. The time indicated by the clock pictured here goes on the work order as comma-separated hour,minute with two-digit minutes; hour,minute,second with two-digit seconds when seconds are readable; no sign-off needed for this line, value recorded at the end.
10,18
